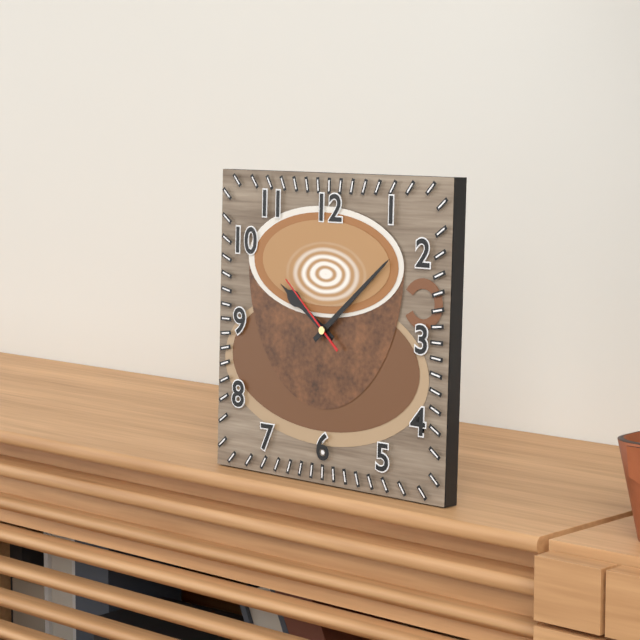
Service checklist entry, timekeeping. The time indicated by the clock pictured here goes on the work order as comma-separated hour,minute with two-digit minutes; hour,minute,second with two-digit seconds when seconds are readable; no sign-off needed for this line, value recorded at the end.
10,08,52
